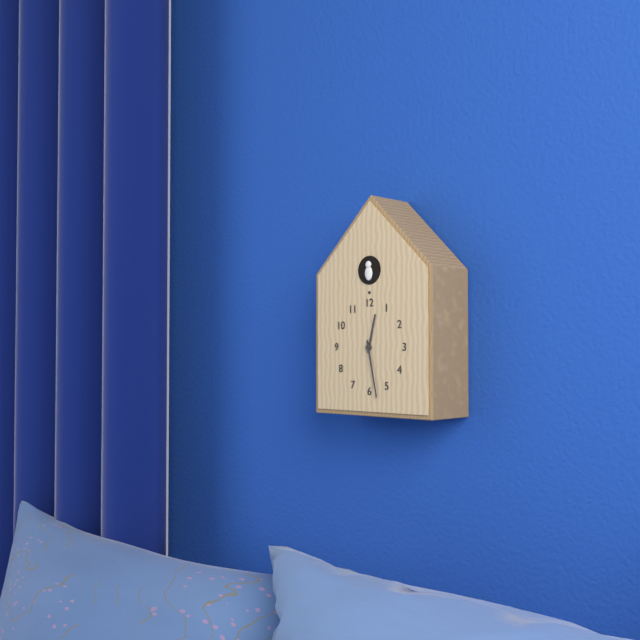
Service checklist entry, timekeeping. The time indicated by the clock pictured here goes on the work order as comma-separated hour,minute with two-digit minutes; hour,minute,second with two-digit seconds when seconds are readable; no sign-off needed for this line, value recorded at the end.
12,28
